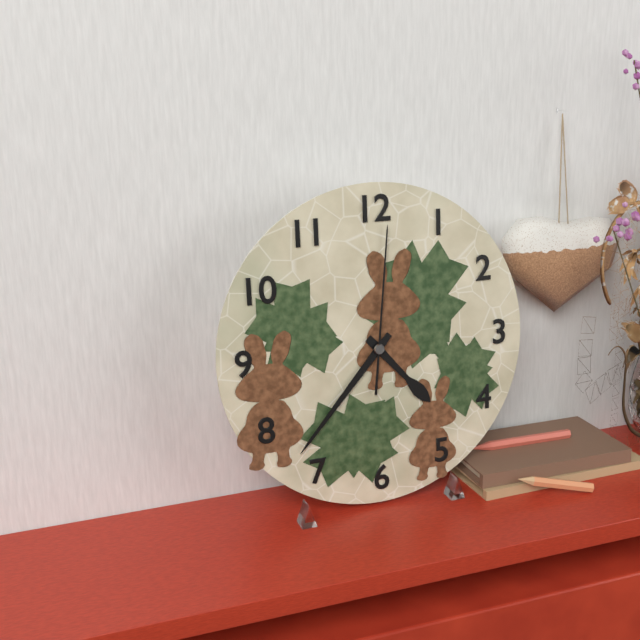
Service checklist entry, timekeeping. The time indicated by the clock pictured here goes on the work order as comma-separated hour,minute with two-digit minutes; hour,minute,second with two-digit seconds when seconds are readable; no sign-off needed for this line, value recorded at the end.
4,37,01
